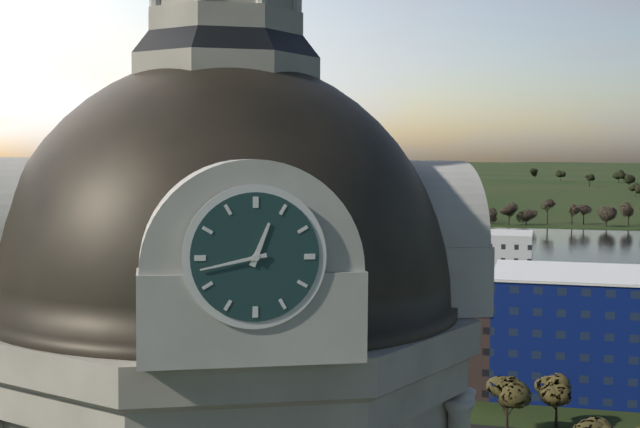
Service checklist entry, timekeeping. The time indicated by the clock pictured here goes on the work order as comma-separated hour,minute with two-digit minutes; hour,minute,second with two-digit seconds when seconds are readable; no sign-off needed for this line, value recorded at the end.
12,43
